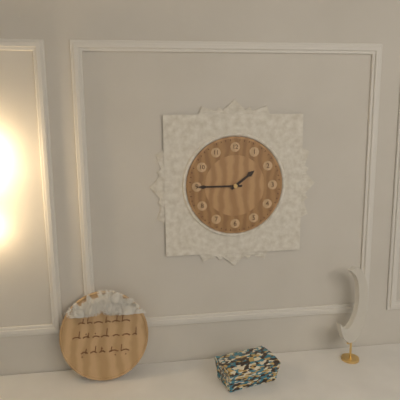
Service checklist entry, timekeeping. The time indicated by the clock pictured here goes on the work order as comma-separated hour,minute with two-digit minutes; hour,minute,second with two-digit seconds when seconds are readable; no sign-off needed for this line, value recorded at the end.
1,45
